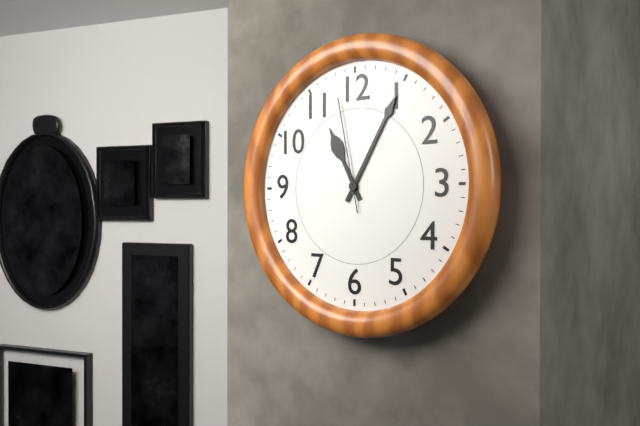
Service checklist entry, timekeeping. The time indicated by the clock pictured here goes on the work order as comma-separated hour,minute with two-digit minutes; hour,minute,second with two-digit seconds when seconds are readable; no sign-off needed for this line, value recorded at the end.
11,05,58
